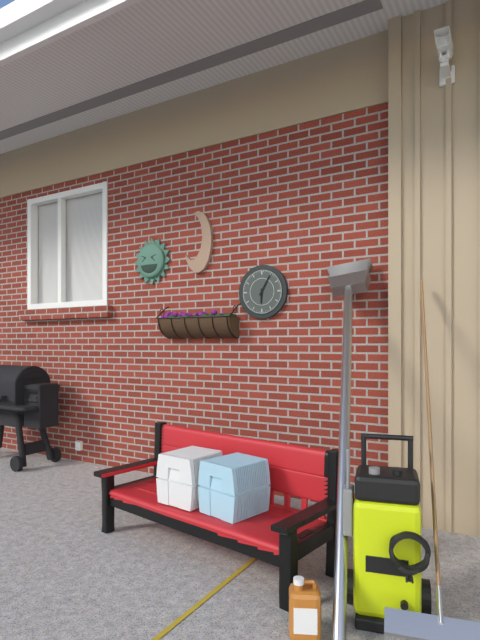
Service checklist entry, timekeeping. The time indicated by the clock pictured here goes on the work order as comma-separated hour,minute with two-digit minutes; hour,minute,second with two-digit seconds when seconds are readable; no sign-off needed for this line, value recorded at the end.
6,05
